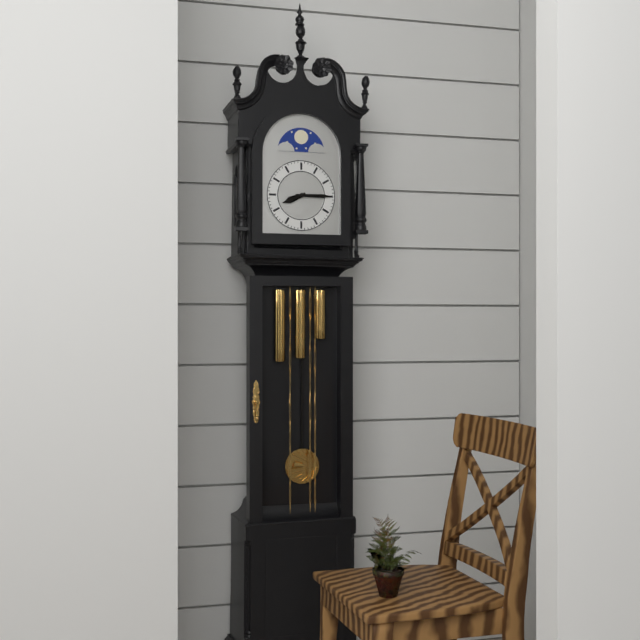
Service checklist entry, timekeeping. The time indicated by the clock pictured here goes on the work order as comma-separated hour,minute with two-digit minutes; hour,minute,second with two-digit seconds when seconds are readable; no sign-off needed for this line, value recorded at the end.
8,15
